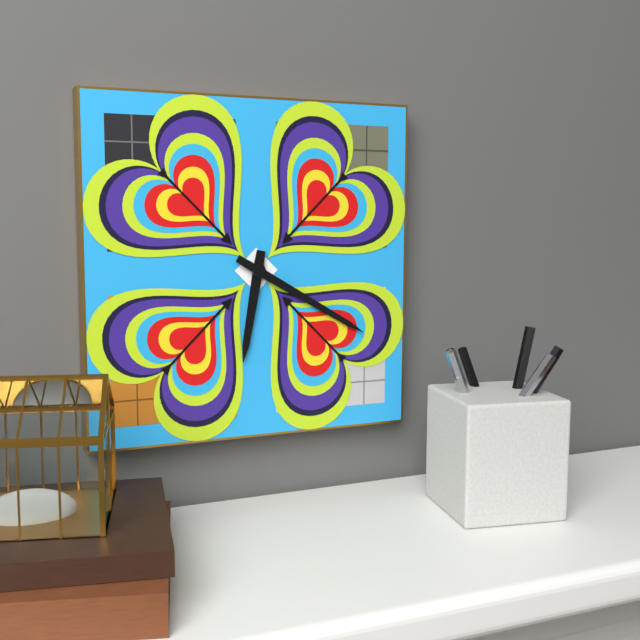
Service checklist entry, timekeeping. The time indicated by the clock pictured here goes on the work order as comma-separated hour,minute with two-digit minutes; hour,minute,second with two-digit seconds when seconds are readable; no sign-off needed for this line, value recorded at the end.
6,20
